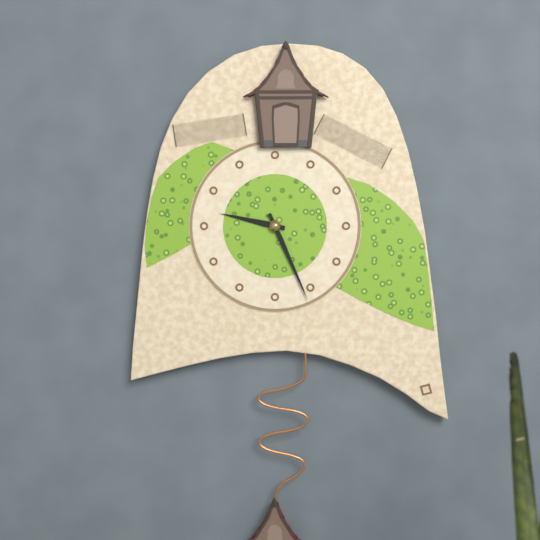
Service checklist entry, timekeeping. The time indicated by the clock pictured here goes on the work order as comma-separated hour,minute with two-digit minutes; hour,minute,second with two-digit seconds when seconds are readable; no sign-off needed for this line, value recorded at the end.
9,26
